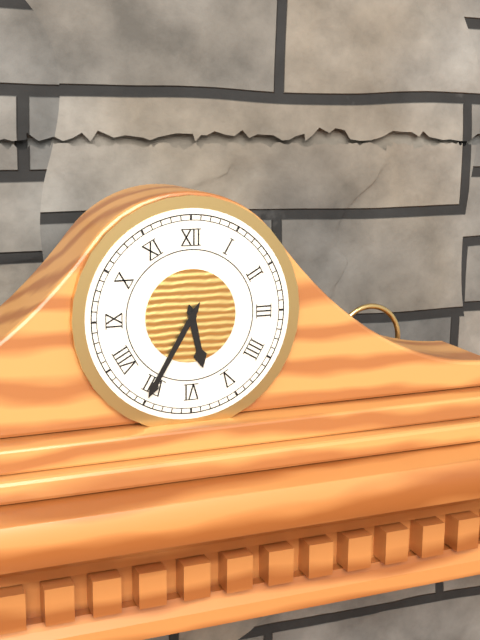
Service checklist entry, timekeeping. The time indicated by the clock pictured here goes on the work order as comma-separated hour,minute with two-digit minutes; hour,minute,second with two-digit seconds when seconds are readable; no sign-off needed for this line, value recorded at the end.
5,35
